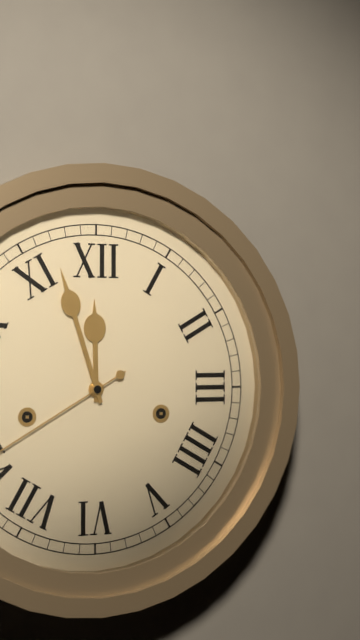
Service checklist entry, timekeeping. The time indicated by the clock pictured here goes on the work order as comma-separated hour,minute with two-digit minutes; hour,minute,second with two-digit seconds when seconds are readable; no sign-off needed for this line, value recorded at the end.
11,57
